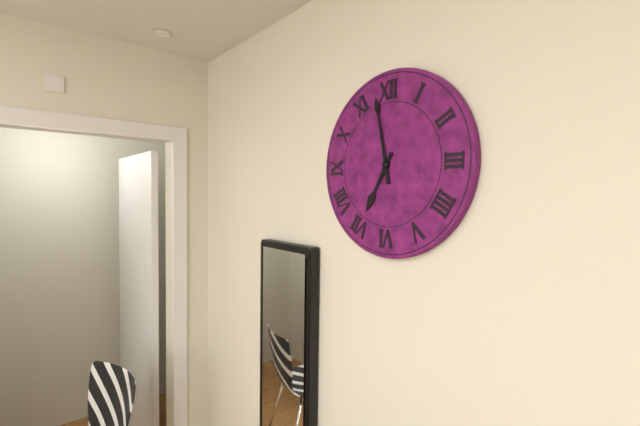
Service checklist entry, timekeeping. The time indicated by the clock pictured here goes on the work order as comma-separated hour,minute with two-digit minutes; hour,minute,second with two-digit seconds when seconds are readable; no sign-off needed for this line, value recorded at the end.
6,58
